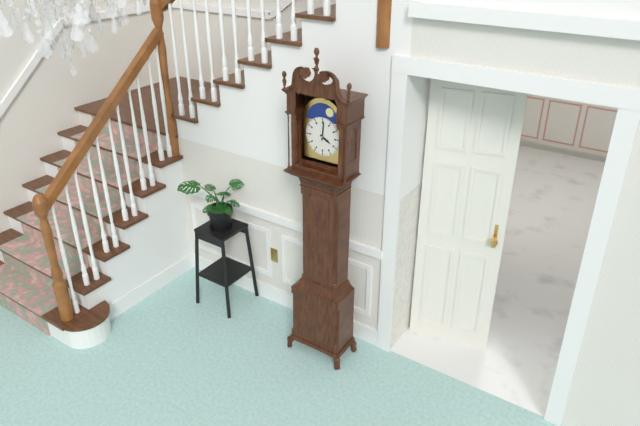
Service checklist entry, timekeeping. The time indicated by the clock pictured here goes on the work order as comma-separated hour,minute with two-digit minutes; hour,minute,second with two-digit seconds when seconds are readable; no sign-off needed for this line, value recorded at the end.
4,01
